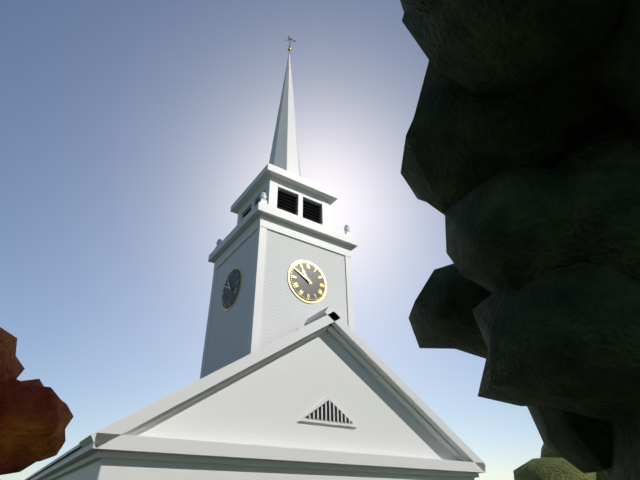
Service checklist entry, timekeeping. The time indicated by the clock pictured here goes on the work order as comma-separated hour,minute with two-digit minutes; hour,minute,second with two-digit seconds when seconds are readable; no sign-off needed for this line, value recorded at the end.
10,50
